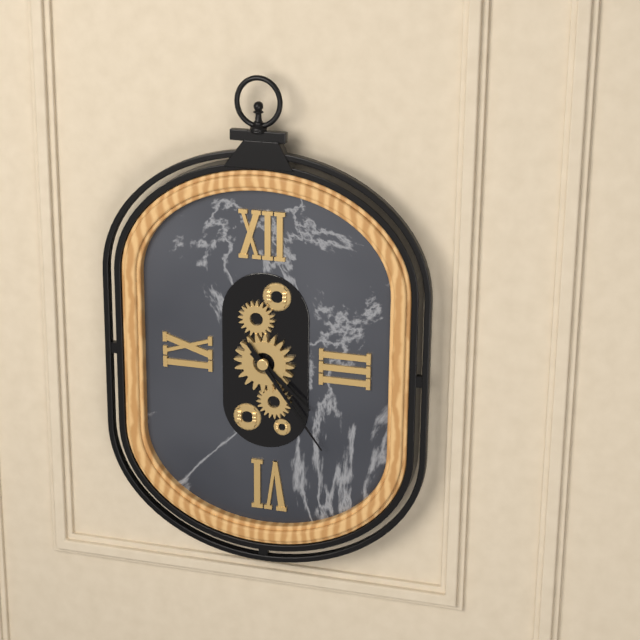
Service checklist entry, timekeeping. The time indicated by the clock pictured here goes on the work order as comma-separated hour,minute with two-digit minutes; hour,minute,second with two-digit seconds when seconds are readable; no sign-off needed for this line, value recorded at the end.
4,24
